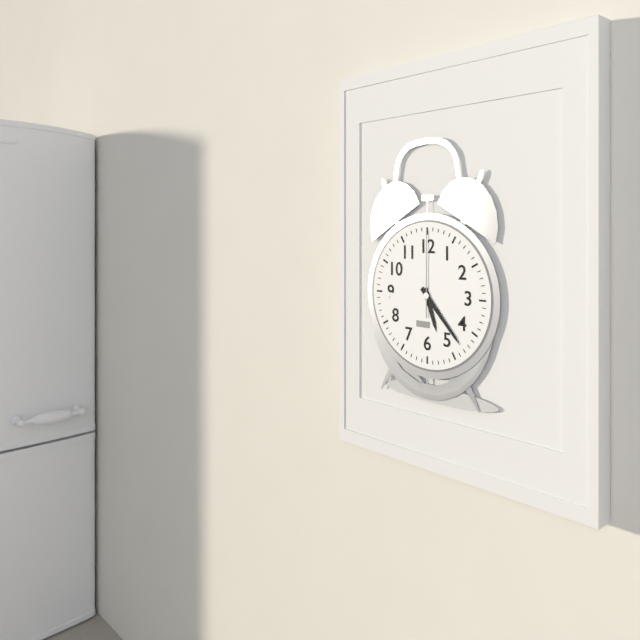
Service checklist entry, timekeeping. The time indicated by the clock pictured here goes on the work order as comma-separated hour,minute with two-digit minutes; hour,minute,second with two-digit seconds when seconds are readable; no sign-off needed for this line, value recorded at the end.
5,23,00
